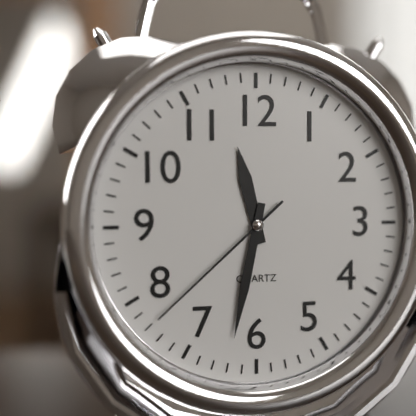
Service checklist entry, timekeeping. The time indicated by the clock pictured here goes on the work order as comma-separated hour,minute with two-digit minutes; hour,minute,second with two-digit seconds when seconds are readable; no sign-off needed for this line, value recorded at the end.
11,32,38
